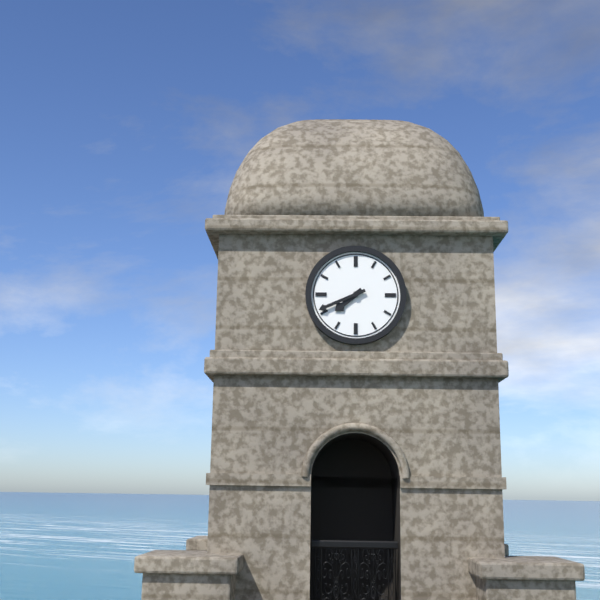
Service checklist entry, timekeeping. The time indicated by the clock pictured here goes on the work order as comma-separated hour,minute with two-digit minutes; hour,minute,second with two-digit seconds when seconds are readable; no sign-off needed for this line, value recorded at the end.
7,41
